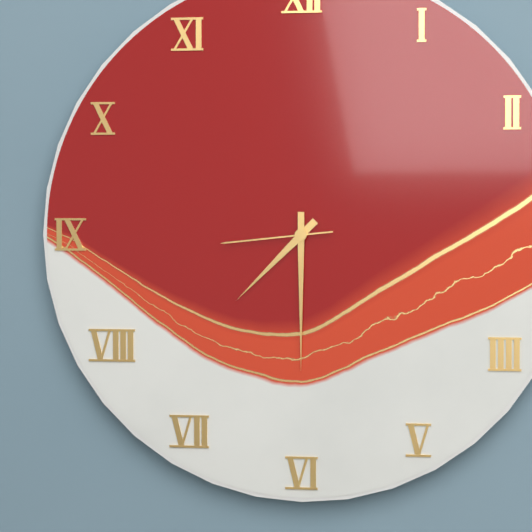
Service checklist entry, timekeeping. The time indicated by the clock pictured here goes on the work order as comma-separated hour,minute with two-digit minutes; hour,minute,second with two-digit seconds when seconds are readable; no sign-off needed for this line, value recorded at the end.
7,30,44
